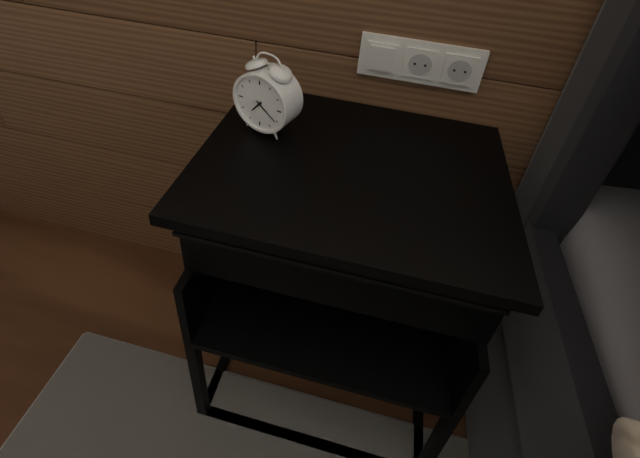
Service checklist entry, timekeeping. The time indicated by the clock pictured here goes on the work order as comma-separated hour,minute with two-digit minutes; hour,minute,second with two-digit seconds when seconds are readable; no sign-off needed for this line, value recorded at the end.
7,21
